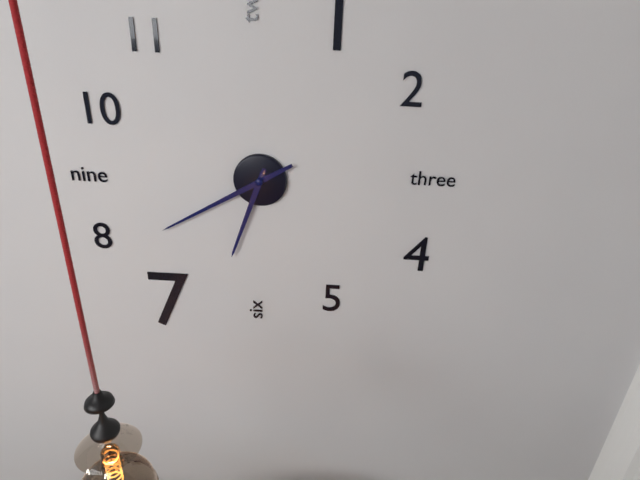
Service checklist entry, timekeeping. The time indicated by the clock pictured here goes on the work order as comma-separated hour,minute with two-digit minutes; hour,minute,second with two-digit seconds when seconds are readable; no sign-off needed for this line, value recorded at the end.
6,40
